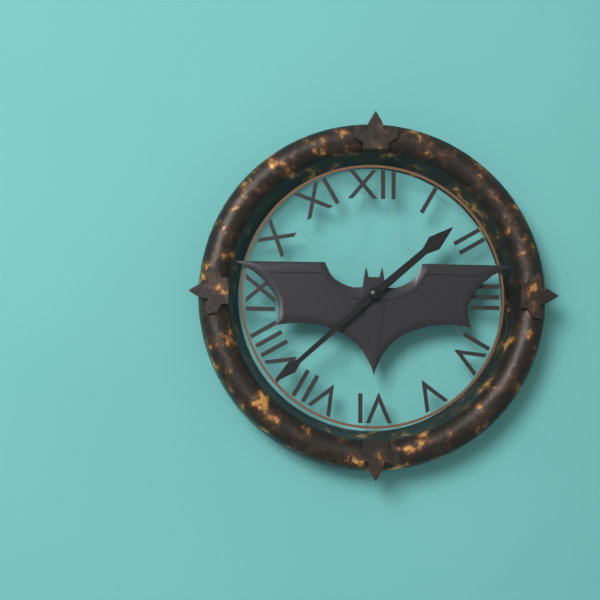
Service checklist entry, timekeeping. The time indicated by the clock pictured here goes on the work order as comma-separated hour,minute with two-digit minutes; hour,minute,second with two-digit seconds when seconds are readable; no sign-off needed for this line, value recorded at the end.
1,38
